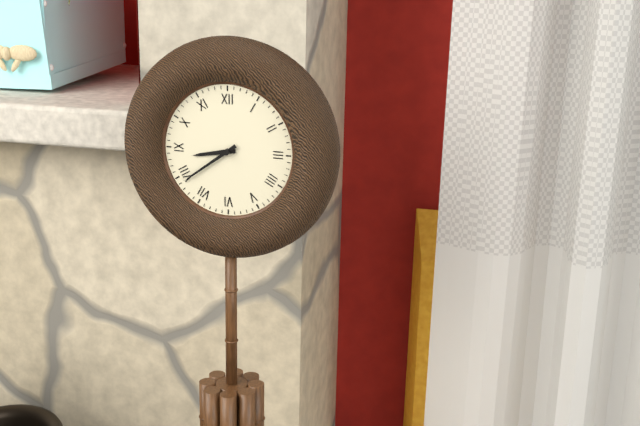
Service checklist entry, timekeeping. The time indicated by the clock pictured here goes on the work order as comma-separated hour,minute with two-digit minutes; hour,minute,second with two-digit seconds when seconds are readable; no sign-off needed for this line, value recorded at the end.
8,39
